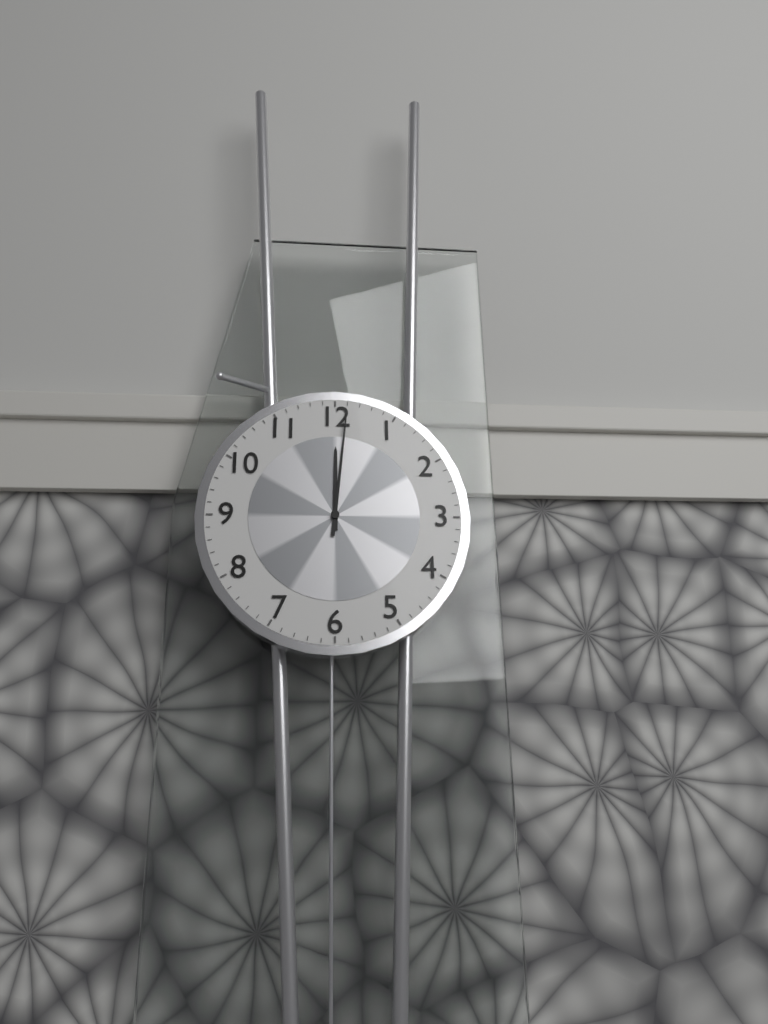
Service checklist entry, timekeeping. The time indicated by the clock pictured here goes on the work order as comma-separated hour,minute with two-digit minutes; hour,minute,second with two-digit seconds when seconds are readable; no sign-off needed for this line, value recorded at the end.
12,01
